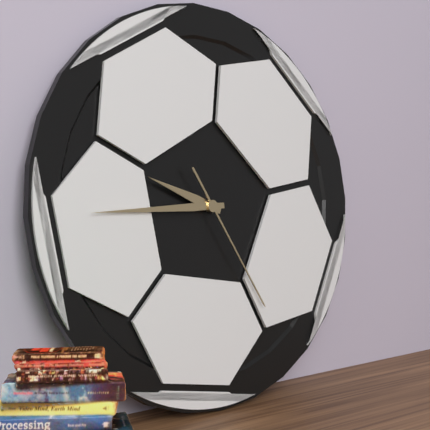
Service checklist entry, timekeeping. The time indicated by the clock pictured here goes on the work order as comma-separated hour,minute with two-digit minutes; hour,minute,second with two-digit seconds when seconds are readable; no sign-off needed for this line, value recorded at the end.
9,45,25
